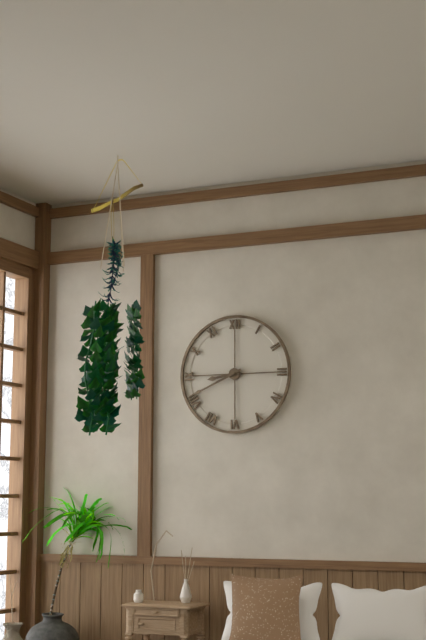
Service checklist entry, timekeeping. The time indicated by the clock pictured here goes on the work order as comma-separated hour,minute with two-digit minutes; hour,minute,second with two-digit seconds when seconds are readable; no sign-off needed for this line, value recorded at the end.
8,41
